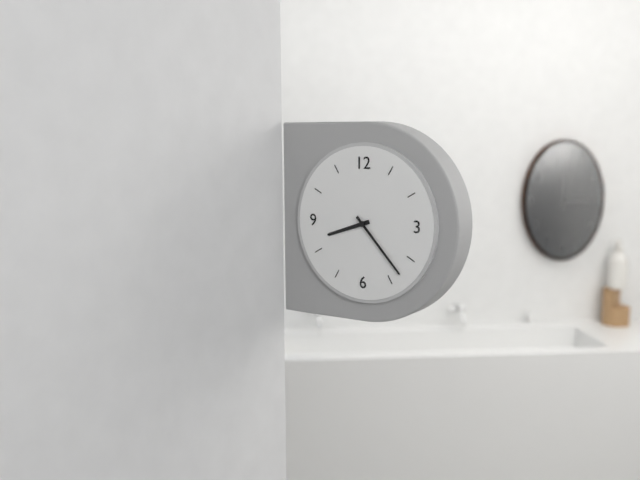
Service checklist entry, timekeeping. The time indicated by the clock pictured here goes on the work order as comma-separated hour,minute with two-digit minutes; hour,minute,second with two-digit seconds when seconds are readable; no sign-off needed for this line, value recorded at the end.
8,23
